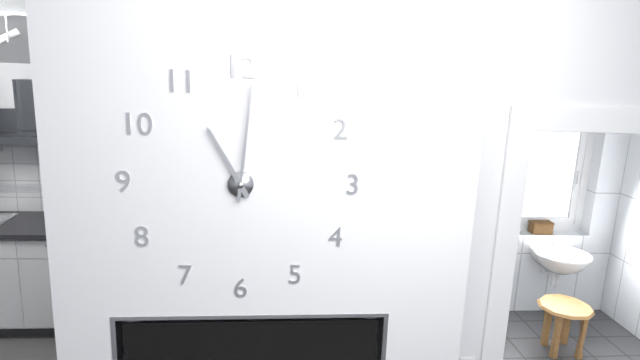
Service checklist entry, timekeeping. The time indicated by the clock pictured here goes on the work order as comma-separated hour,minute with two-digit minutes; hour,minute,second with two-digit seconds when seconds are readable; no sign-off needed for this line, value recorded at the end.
11,01
